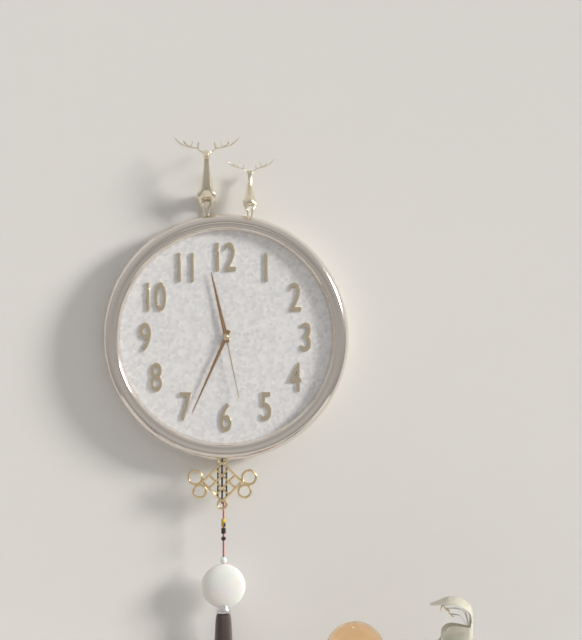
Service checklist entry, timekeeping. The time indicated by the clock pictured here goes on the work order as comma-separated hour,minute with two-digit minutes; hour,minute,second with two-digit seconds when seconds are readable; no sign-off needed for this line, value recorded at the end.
11,34,28
